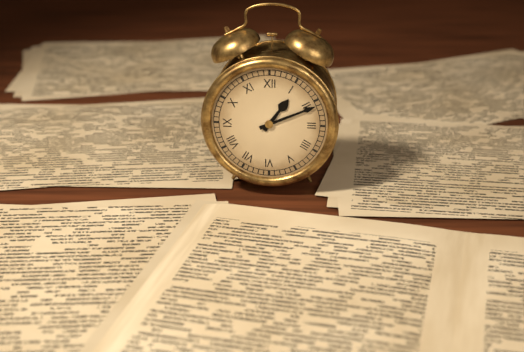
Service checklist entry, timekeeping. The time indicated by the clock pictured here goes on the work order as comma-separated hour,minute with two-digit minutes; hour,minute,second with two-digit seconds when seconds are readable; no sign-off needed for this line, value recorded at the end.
1,11
